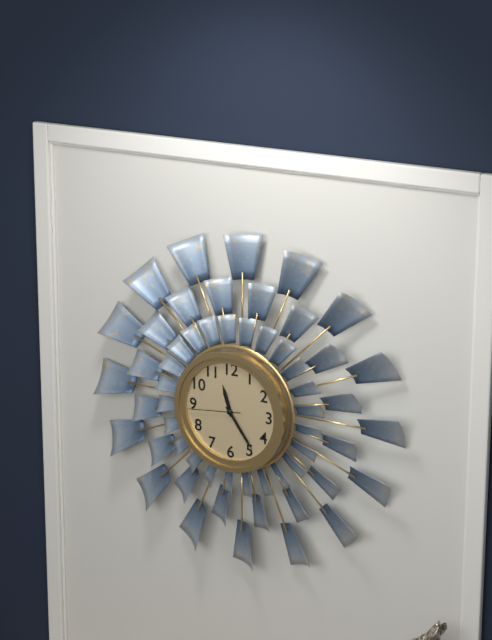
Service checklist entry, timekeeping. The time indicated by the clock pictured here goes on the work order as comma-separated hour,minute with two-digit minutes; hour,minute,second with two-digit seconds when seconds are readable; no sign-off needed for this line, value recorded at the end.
11,24,44
